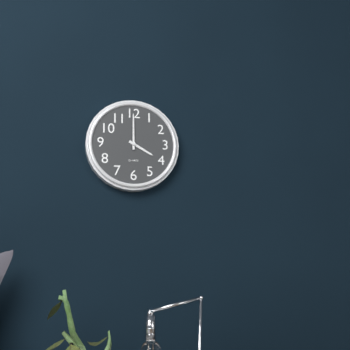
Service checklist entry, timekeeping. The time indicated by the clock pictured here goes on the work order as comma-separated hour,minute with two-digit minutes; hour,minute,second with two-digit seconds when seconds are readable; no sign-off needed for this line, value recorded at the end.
4,00
